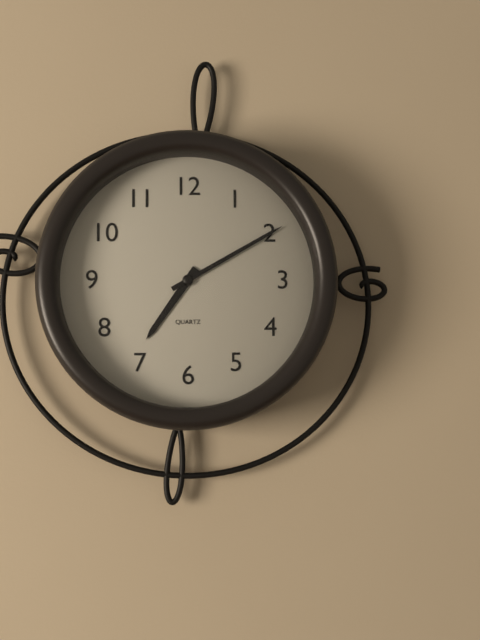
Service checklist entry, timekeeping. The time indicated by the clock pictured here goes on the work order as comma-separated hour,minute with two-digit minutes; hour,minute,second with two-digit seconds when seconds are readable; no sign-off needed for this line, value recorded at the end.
7,10
